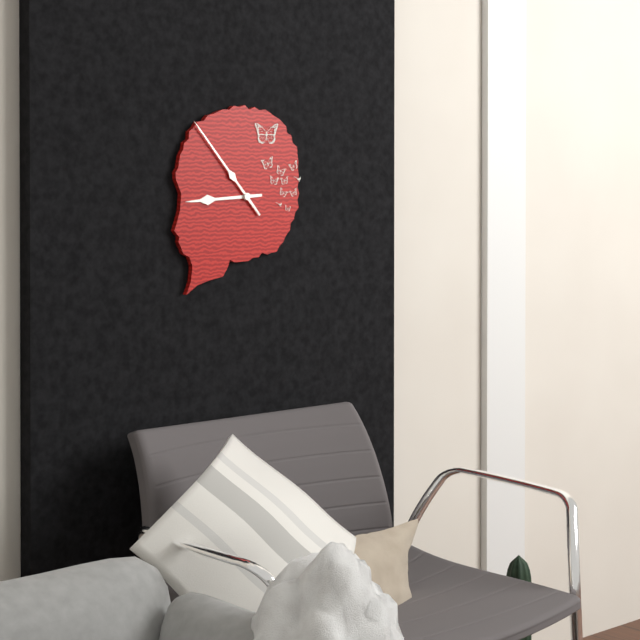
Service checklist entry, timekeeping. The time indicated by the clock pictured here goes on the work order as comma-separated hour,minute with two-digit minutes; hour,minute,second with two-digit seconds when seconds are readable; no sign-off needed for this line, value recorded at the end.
8,53
